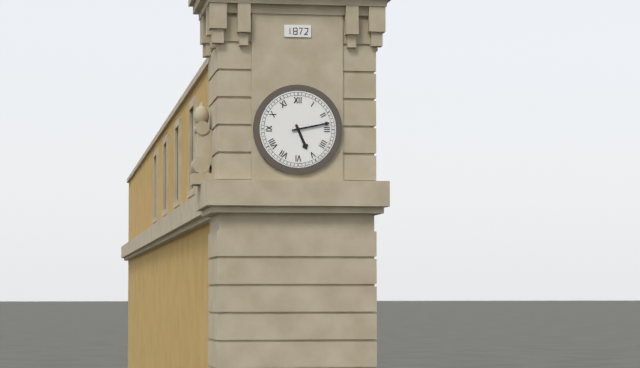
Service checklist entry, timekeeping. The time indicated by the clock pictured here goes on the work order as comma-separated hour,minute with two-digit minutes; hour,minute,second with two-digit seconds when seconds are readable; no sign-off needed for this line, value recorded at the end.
5,13
